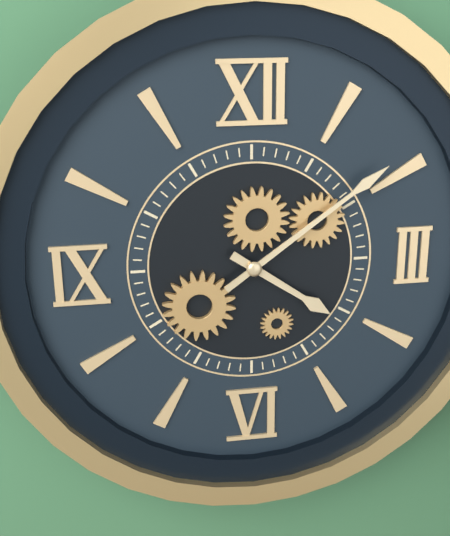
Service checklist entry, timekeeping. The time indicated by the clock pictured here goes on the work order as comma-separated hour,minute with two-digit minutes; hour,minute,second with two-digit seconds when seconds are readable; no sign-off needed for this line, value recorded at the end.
4,09
